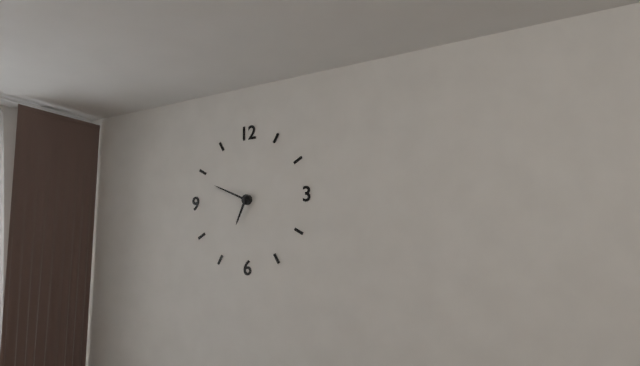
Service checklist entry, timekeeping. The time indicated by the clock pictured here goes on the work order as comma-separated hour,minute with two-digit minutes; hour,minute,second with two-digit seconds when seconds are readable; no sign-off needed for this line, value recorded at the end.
6,49
